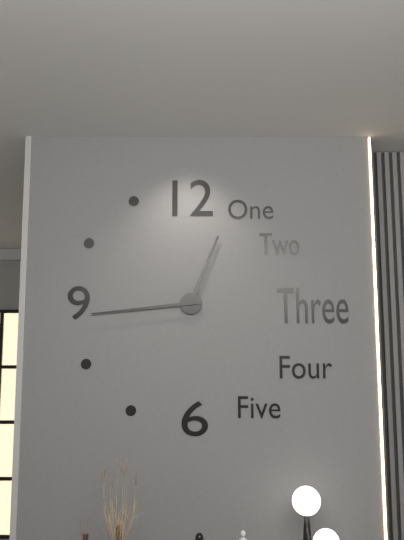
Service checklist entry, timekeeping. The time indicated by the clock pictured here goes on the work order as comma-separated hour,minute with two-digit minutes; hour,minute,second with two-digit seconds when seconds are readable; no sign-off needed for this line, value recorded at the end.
12,44
